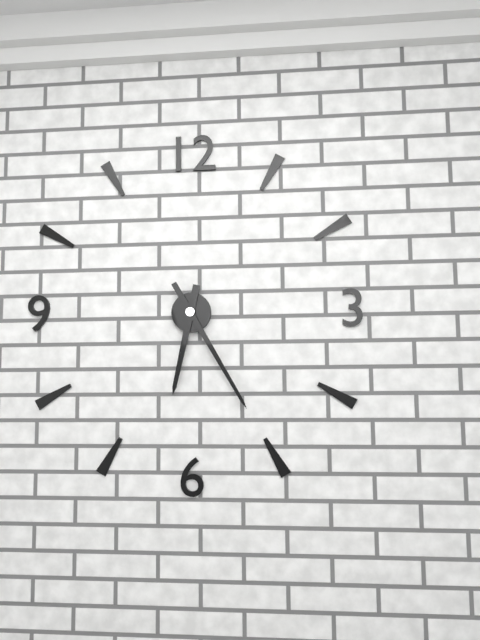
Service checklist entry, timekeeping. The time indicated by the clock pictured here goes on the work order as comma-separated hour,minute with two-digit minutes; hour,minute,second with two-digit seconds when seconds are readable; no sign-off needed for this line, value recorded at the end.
6,25
